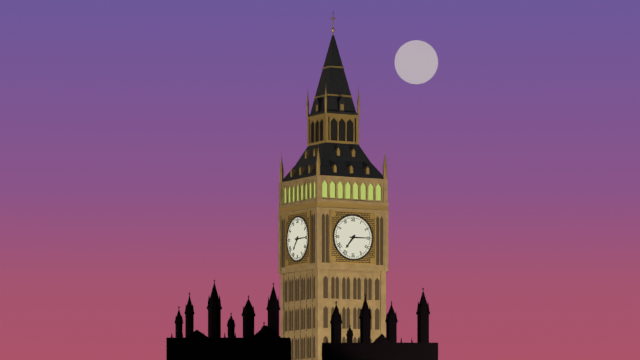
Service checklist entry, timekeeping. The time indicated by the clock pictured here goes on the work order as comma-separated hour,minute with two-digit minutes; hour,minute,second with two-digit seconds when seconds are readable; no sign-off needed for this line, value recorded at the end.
7,15
